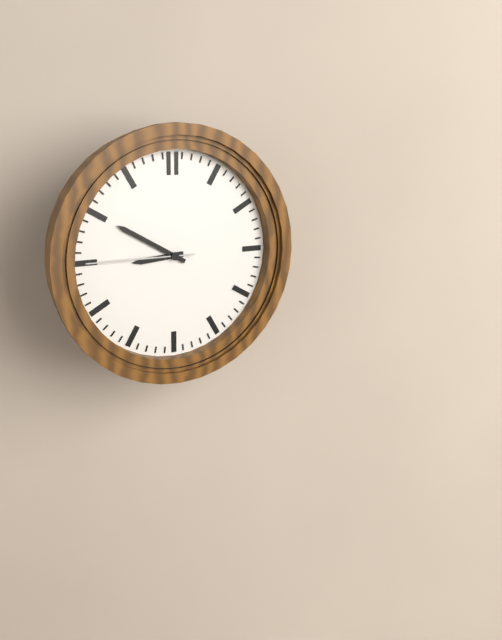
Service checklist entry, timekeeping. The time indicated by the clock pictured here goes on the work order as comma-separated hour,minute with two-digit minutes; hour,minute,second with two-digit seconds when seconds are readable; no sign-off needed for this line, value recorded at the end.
8,50,45
